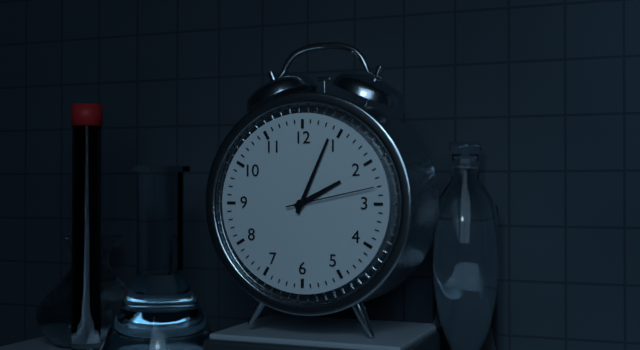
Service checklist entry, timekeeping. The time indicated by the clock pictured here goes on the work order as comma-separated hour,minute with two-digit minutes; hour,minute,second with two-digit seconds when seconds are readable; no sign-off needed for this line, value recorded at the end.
2,04,13
